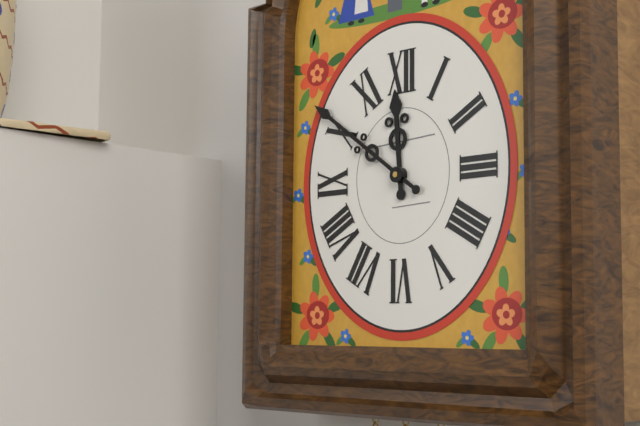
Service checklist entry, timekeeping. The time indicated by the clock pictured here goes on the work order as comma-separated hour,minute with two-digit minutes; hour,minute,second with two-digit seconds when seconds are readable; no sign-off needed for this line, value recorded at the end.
11,51
